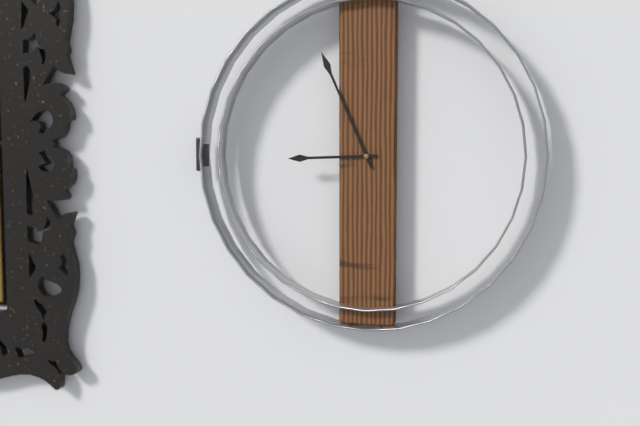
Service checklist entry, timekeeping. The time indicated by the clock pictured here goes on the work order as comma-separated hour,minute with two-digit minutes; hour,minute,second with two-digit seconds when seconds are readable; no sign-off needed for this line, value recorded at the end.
8,56
